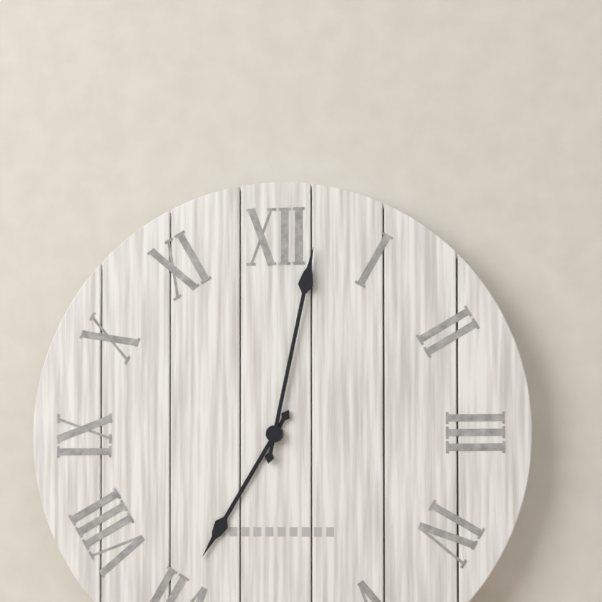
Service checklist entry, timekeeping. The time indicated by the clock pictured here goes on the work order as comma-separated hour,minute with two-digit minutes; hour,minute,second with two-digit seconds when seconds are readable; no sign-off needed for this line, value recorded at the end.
7,02
